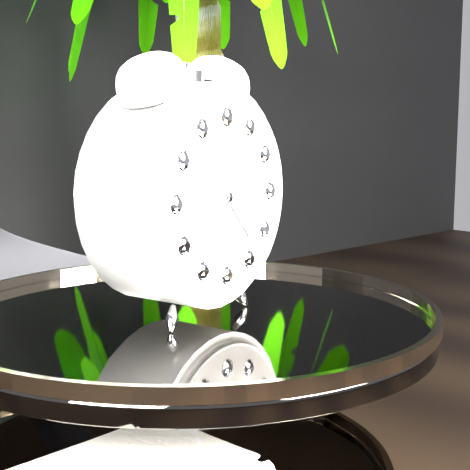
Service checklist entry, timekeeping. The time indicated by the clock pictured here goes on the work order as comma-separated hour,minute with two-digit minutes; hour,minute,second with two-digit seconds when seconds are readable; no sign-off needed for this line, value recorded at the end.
7,23,08
